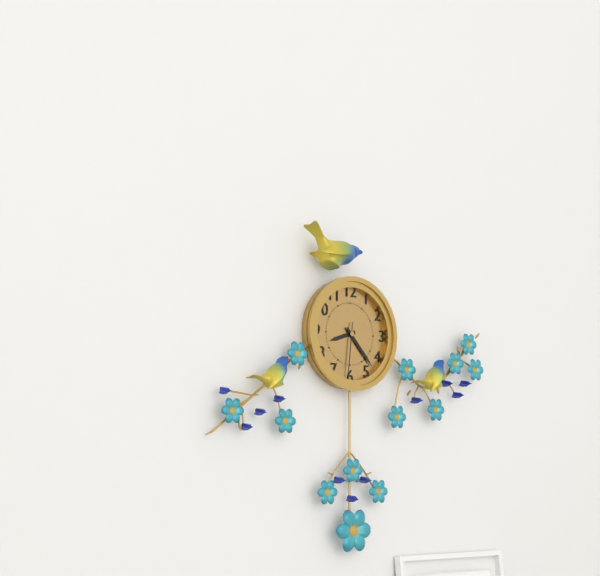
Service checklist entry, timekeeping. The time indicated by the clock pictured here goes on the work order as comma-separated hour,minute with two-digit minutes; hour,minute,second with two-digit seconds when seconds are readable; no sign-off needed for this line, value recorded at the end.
8,23,31
